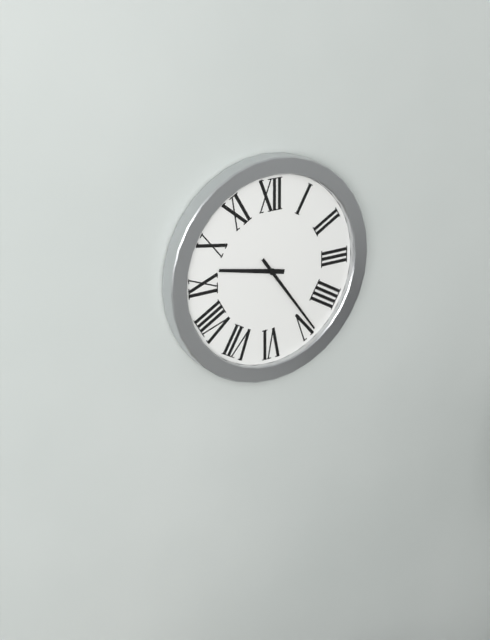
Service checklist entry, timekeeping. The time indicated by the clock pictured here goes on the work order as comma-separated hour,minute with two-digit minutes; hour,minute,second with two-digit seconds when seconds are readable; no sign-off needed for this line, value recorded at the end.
9,24
